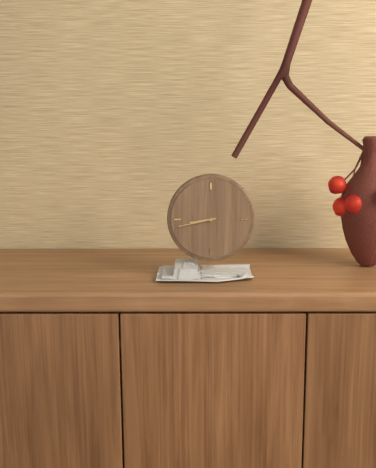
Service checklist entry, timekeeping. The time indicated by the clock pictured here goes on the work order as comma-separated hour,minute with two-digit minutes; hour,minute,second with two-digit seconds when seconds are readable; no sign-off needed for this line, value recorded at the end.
8,43
